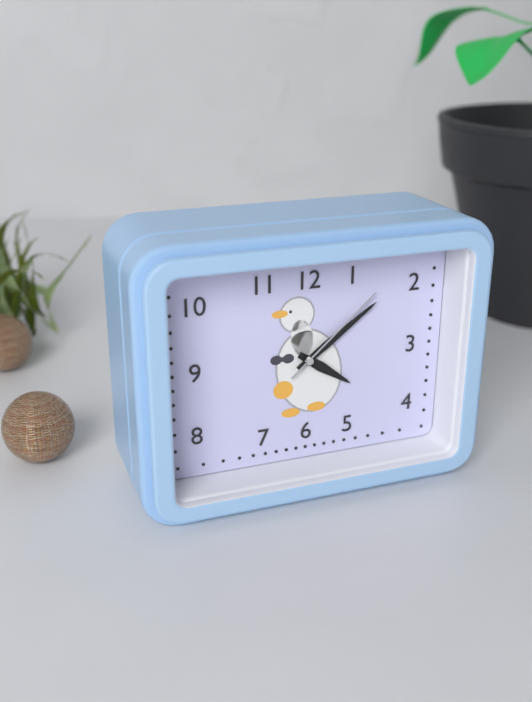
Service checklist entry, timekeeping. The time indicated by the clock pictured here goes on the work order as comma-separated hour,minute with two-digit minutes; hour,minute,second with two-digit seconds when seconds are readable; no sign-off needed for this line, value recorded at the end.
4,09,08
